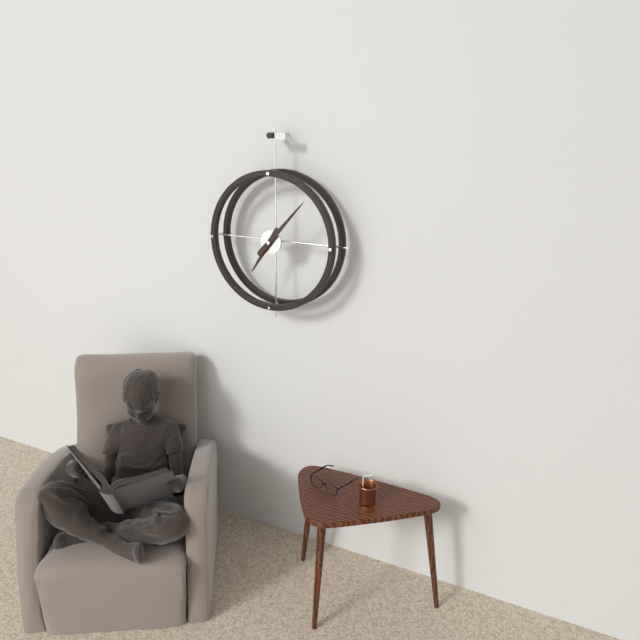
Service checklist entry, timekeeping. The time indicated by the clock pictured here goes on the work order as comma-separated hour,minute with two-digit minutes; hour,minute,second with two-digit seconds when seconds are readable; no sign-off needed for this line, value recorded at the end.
7,07
